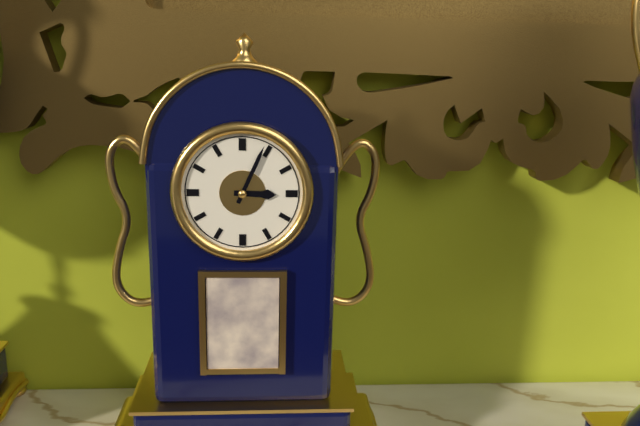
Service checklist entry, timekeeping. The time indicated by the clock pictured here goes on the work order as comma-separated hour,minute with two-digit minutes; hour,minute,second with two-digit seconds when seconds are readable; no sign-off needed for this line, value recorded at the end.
3,04
